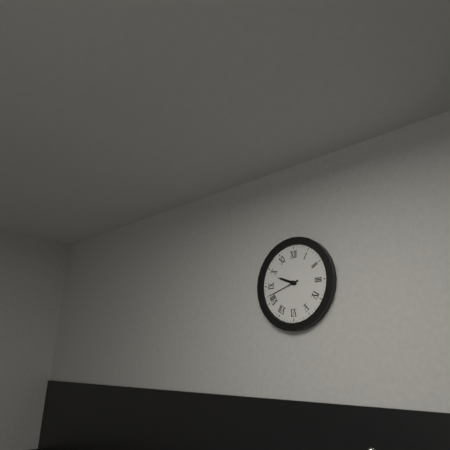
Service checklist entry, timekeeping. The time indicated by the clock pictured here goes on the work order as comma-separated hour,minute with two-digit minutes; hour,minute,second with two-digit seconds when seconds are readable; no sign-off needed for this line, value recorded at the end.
9,42
